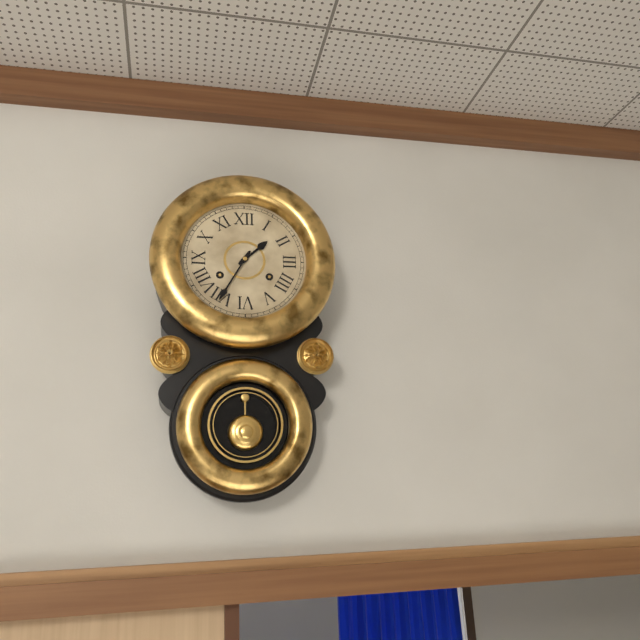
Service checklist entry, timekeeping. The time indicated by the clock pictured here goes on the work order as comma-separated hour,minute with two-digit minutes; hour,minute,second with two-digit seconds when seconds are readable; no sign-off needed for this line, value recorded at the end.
1,35
